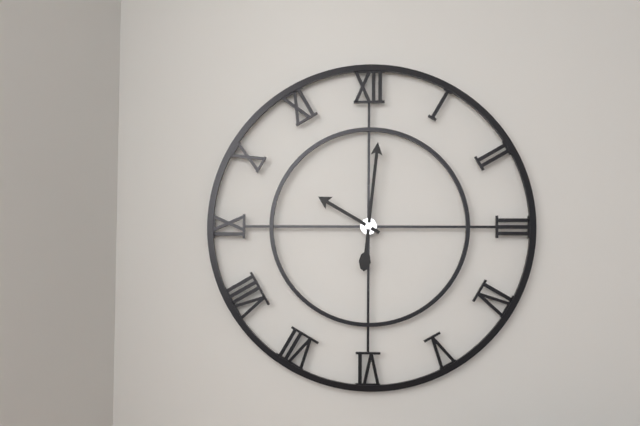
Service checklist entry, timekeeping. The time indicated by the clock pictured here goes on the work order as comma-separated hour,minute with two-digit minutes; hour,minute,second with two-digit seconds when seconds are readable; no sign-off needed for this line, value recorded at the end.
10,01
